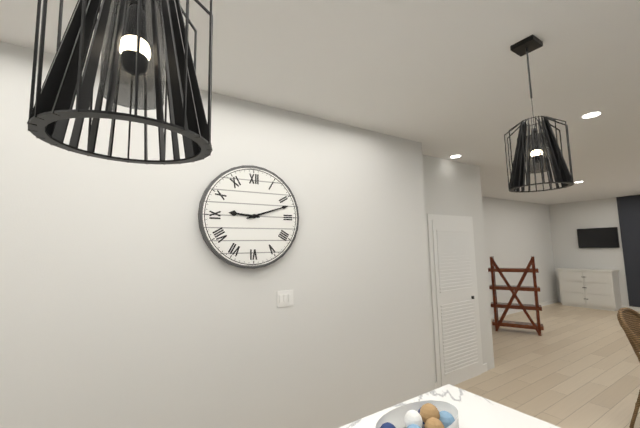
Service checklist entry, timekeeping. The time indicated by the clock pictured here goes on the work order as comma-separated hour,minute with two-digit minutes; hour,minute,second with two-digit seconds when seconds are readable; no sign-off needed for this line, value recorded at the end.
9,12
